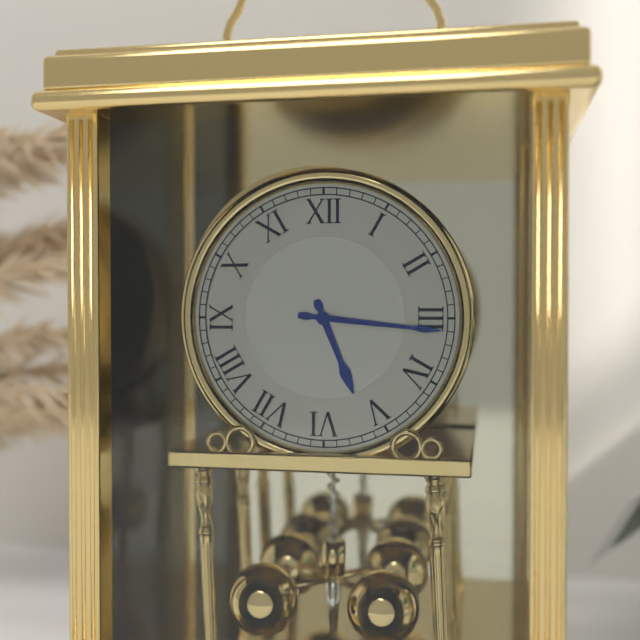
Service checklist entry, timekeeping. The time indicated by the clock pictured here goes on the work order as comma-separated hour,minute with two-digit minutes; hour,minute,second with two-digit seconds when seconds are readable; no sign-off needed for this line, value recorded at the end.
5,16
